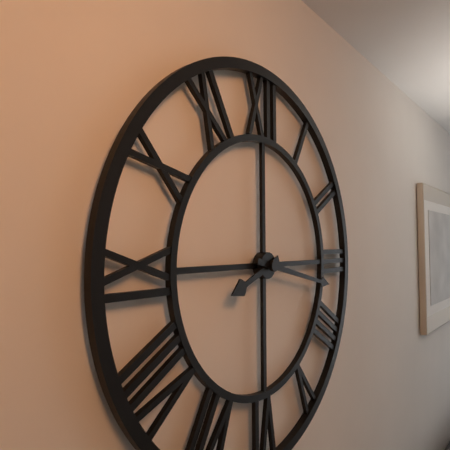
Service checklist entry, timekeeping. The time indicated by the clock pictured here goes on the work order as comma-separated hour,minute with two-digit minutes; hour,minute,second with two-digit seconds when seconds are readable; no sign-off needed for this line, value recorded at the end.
8,17
